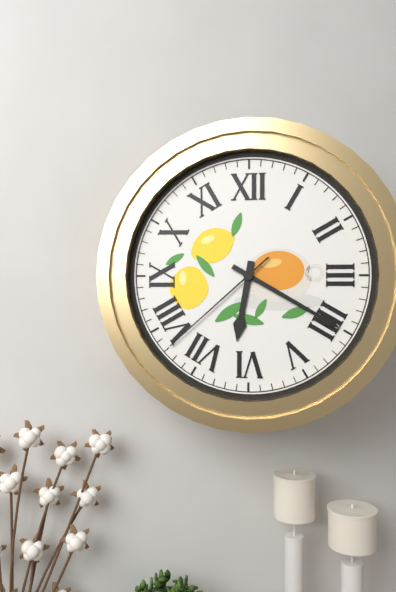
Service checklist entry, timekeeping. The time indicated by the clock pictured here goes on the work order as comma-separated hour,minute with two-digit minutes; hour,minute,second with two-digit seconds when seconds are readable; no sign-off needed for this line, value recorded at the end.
6,20,38
